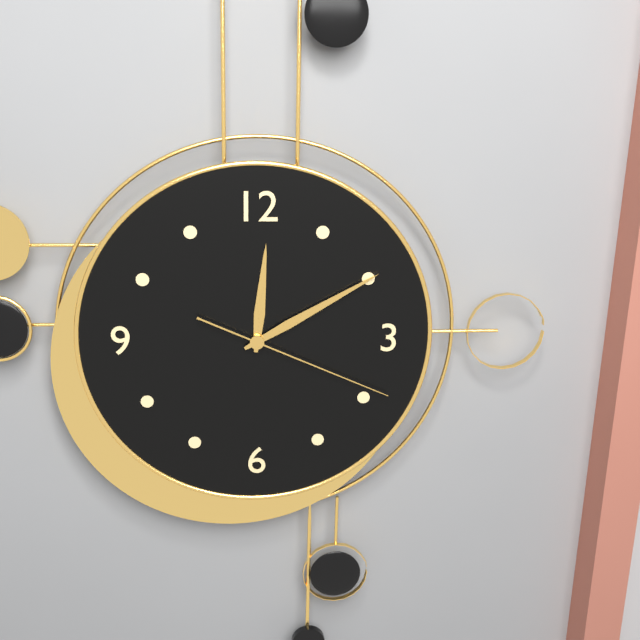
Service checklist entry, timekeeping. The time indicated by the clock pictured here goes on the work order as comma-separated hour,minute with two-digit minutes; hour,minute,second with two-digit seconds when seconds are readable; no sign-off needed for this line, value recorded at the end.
12,10,19
